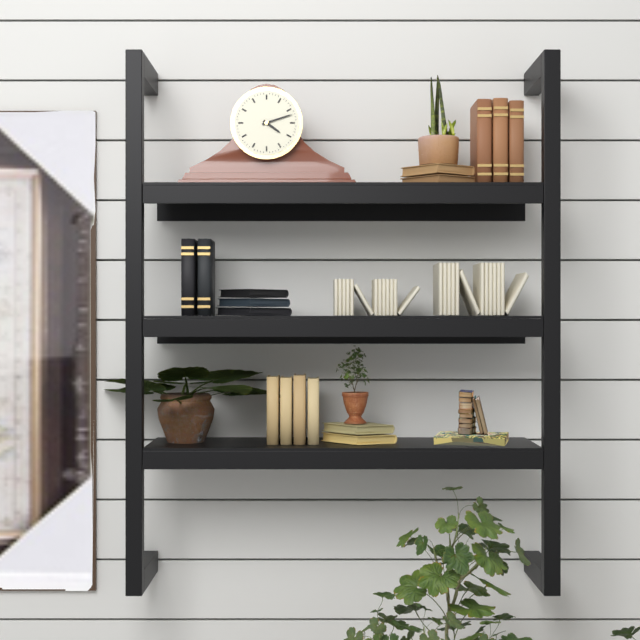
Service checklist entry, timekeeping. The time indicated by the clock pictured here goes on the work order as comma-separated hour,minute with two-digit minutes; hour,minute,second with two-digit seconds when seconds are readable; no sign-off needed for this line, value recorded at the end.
4,12
